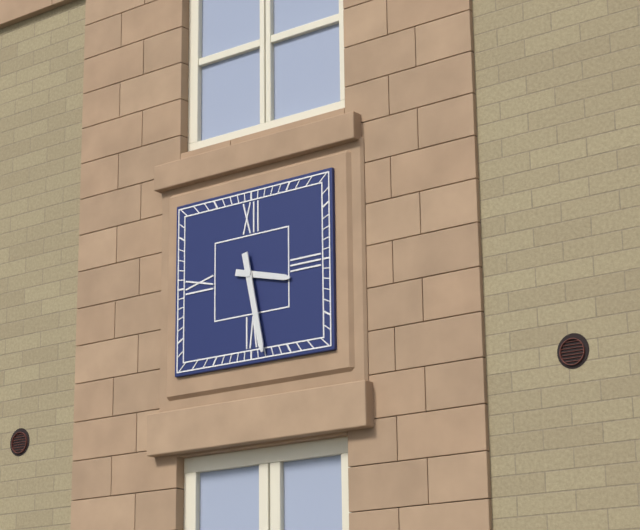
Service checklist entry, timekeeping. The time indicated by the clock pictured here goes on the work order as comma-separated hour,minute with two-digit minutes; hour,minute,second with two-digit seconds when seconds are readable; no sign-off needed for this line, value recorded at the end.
3,28
